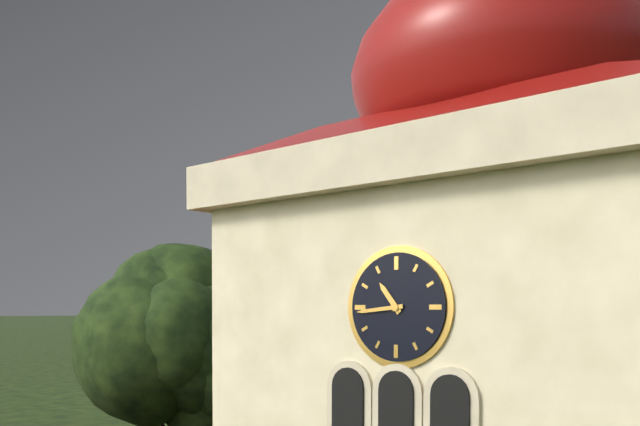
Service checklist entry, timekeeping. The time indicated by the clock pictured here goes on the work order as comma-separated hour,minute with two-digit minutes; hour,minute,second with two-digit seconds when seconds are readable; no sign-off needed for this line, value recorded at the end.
10,44
